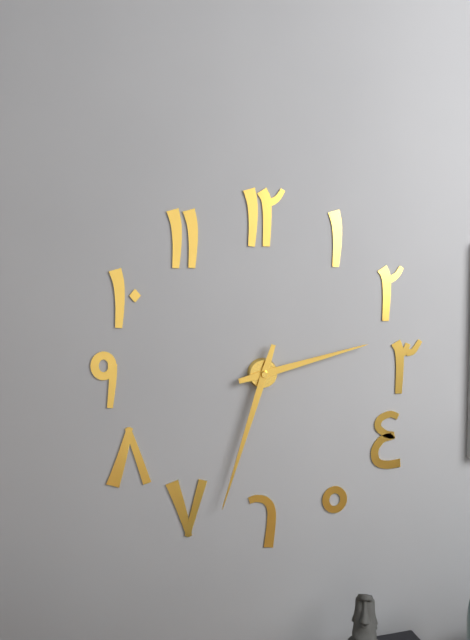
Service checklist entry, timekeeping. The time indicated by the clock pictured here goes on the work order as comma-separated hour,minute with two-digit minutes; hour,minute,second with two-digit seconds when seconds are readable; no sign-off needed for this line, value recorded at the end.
2,33
